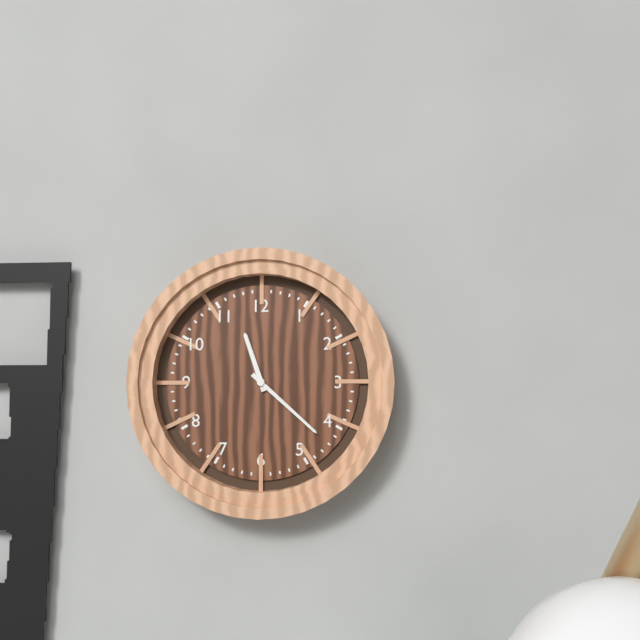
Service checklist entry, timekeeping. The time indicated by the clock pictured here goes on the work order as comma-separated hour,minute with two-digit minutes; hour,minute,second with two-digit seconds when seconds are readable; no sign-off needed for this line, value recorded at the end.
11,22
